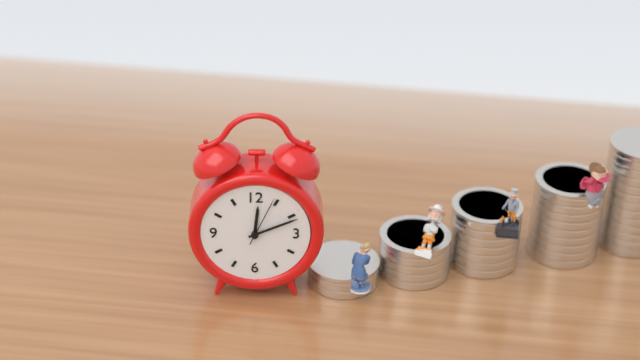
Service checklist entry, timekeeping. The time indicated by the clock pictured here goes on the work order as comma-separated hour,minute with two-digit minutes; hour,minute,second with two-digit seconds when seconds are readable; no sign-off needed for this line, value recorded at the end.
12,11,04
